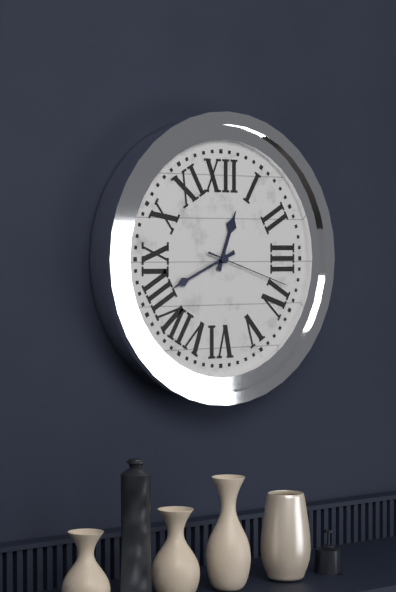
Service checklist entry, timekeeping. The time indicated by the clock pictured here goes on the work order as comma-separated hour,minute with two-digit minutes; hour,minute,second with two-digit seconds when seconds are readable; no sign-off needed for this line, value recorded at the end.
12,41,18
